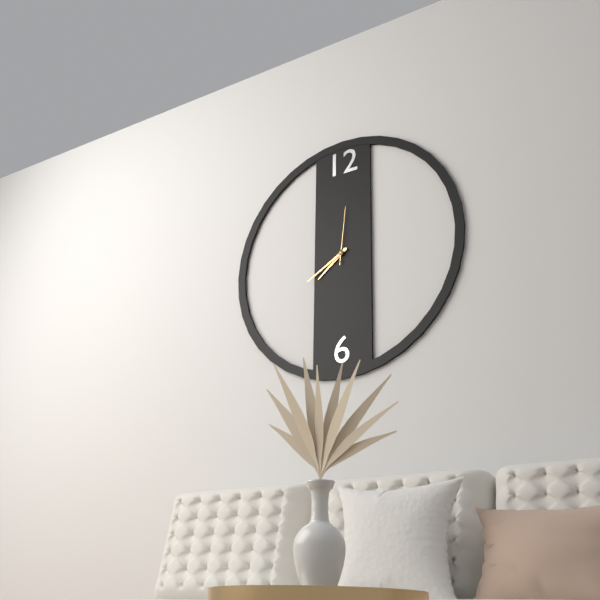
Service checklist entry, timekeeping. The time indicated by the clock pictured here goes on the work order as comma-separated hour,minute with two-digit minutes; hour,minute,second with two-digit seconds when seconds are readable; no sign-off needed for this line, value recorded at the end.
7,40,01
